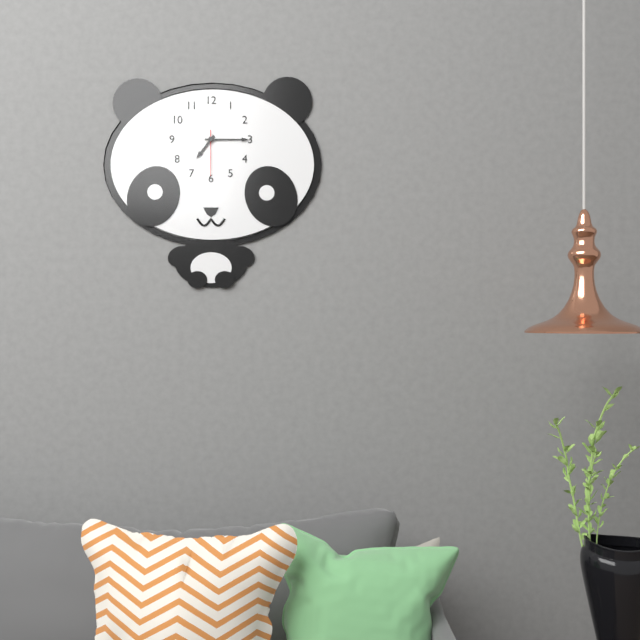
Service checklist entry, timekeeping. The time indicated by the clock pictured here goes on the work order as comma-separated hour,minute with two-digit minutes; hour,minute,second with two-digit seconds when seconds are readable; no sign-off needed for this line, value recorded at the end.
7,15
